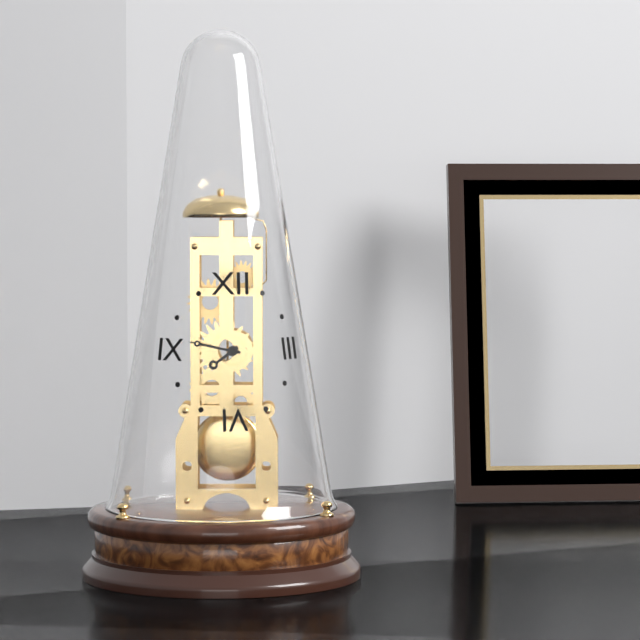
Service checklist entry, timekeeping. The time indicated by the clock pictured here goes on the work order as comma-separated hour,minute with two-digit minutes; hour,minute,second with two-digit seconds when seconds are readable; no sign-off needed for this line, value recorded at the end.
7,47
